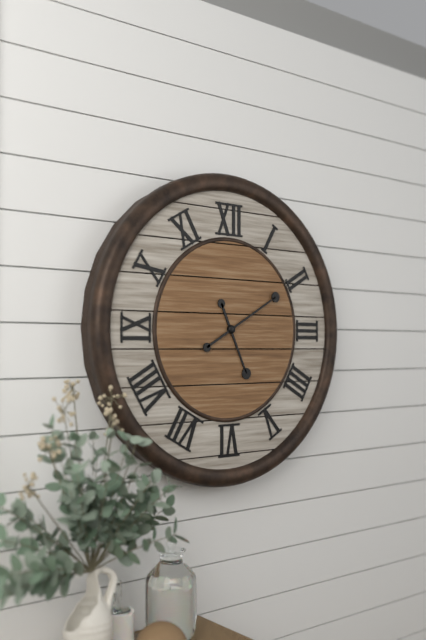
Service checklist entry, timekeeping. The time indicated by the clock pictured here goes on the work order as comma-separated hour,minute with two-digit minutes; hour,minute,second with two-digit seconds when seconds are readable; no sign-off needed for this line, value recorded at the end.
5,10
